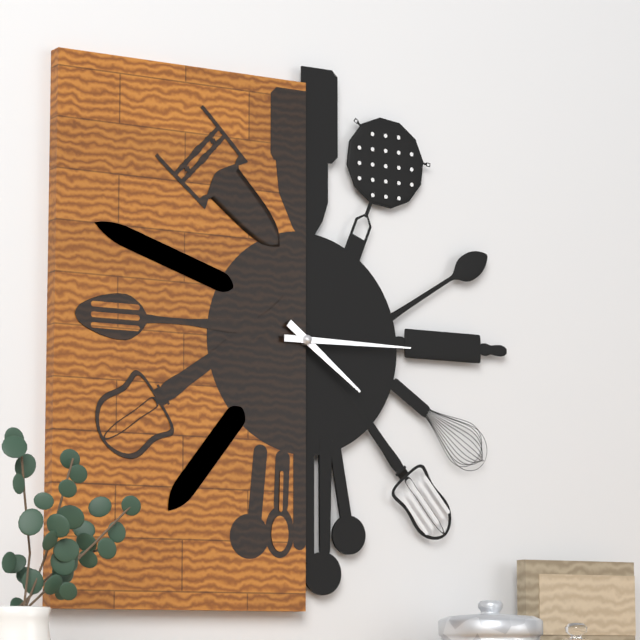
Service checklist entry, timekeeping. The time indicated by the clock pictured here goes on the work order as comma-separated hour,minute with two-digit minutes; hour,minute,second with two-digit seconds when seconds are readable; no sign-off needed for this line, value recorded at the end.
4,15
